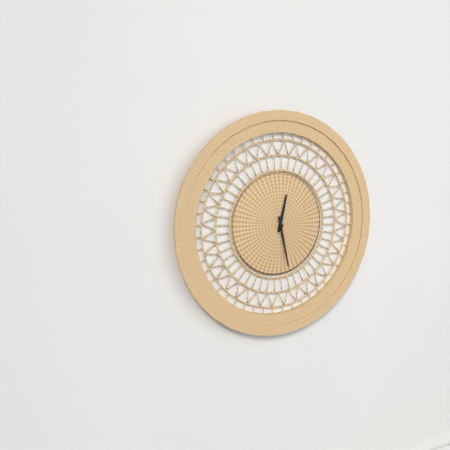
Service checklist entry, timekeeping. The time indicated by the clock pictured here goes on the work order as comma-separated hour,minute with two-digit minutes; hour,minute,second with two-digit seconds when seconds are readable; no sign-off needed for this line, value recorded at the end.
12,28
